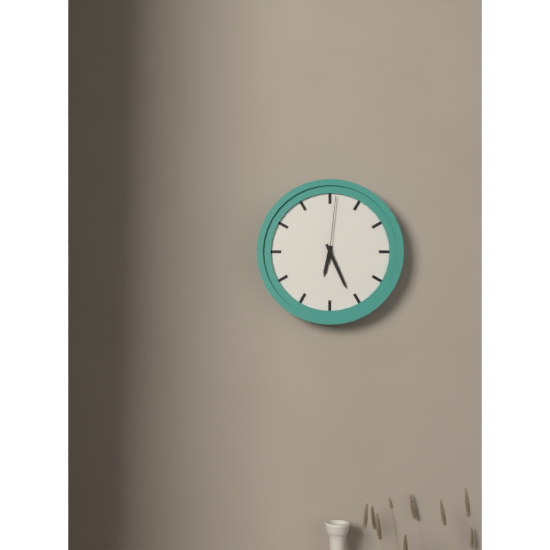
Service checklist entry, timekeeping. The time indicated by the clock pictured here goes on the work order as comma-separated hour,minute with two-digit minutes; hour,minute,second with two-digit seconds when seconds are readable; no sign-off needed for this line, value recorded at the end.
6,26,01
